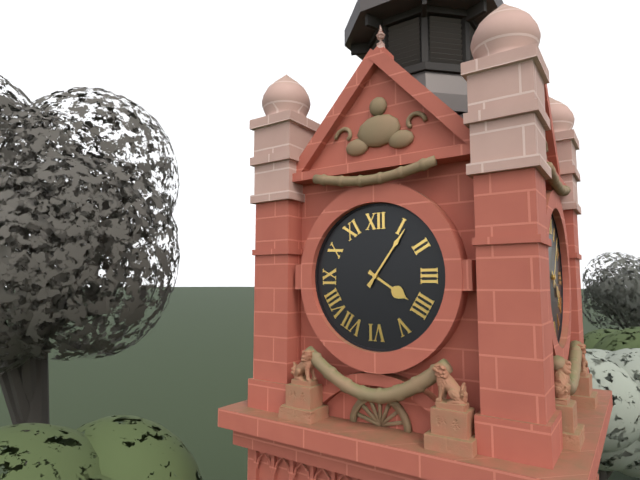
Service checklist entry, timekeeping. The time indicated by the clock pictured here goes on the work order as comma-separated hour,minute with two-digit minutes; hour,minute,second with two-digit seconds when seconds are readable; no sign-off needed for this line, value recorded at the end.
4,06
